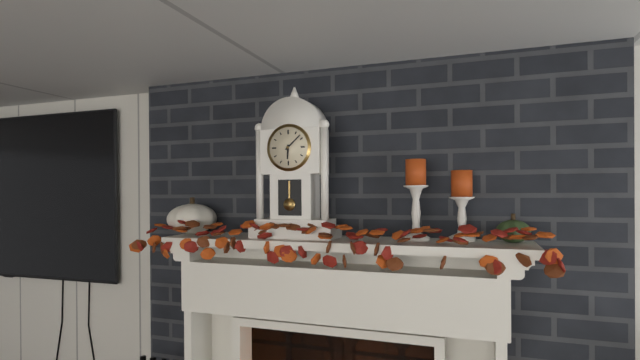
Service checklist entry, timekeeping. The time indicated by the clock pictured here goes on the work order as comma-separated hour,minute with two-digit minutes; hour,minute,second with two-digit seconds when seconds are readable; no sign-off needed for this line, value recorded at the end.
6,08
